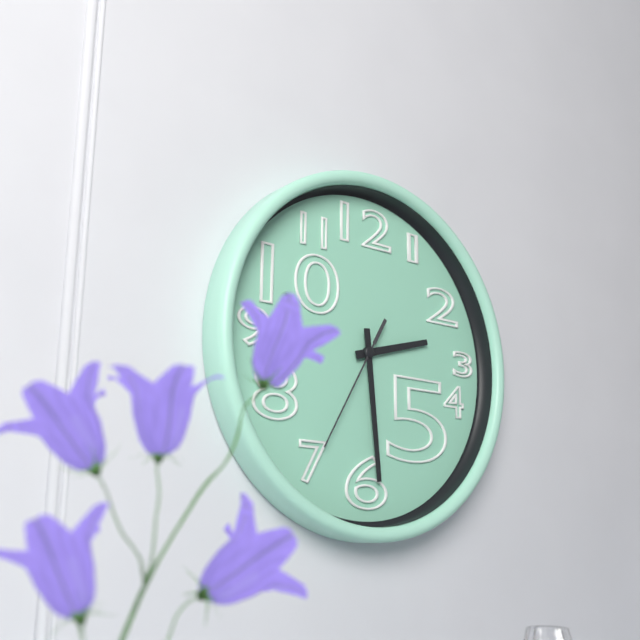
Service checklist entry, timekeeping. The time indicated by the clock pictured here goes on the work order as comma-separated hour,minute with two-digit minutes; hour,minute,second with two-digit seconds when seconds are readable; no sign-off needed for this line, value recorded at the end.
2,29,35
